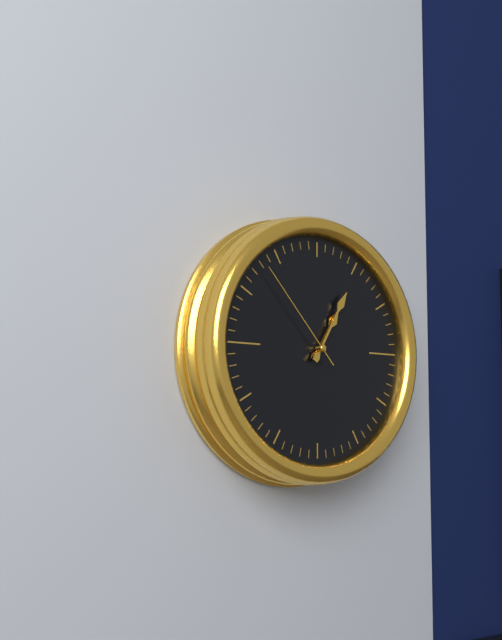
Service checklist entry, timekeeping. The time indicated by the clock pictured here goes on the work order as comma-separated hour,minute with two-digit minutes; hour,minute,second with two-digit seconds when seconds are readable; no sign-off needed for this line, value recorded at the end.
1,05,53
